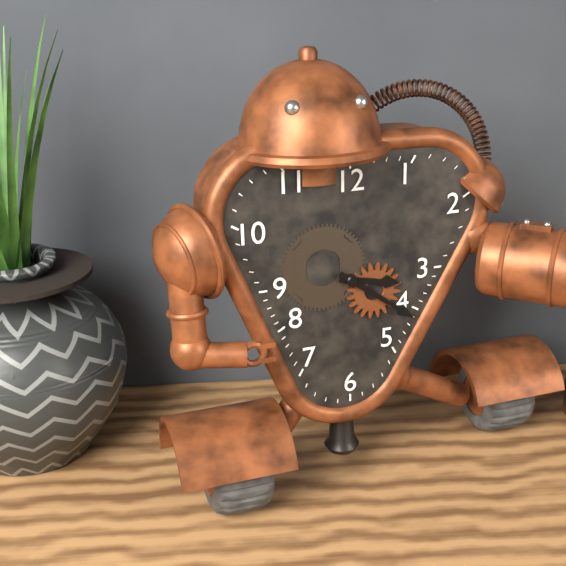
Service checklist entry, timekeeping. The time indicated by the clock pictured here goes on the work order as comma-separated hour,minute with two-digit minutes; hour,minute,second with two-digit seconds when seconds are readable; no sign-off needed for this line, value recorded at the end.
3,21
